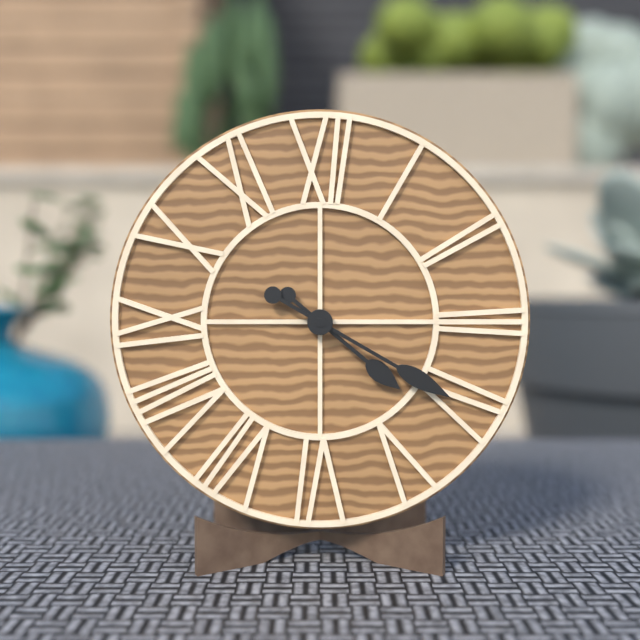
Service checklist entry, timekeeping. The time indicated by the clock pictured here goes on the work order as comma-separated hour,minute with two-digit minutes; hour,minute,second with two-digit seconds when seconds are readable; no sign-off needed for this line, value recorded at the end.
4,20
